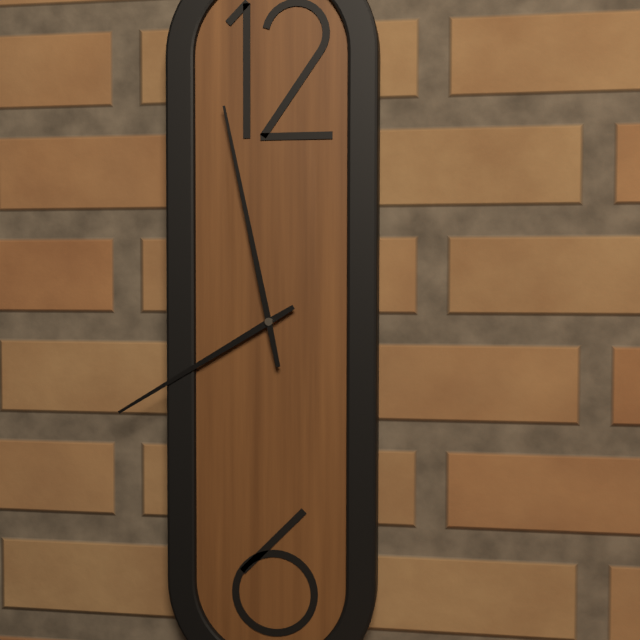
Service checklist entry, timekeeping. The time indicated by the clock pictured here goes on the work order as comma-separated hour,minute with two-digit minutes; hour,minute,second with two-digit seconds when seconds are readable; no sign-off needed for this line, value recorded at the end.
7,58
